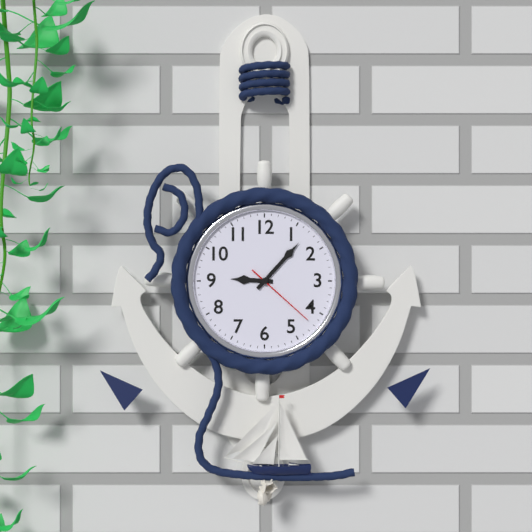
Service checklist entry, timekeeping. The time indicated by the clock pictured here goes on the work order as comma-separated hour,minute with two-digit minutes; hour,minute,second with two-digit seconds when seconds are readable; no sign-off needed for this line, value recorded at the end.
9,07,22
